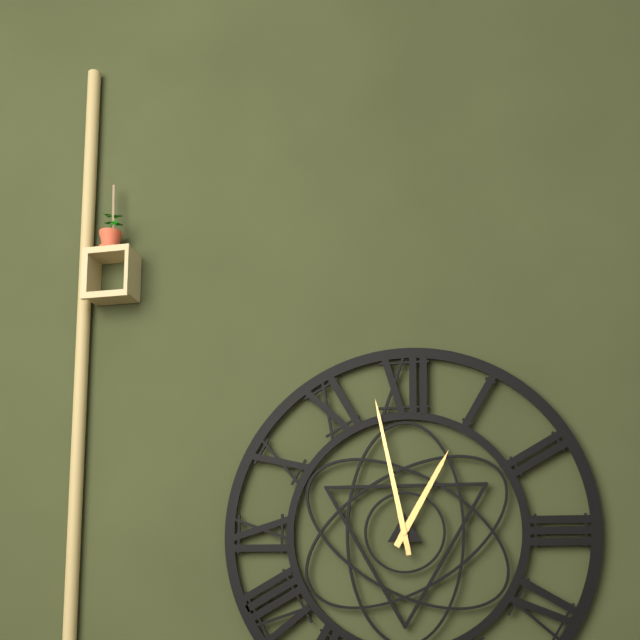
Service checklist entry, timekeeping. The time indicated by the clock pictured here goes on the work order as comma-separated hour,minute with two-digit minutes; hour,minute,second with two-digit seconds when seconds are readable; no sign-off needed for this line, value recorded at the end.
12,58
